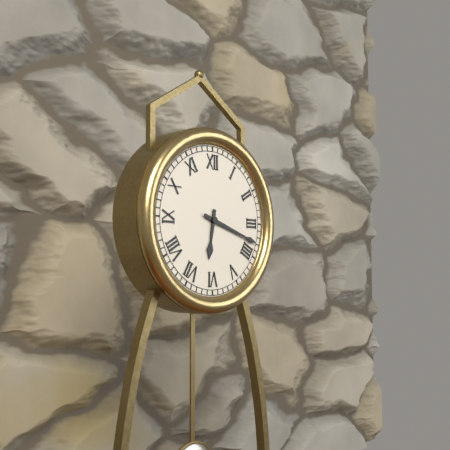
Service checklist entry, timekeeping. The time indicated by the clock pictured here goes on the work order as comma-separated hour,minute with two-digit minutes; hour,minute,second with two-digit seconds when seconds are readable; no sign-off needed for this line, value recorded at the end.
6,18
